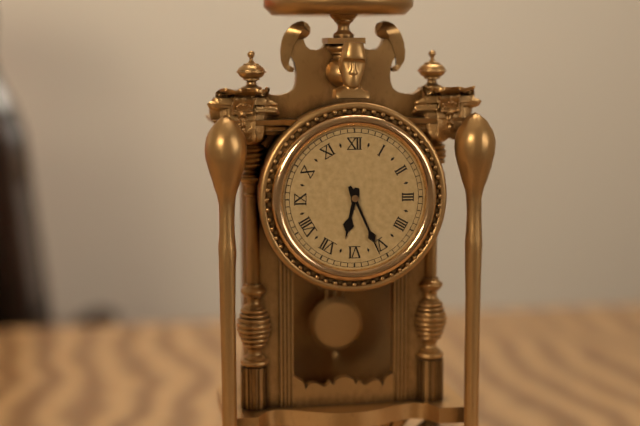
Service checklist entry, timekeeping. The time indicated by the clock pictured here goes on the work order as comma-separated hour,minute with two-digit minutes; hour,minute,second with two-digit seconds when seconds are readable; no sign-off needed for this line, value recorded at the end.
6,26
